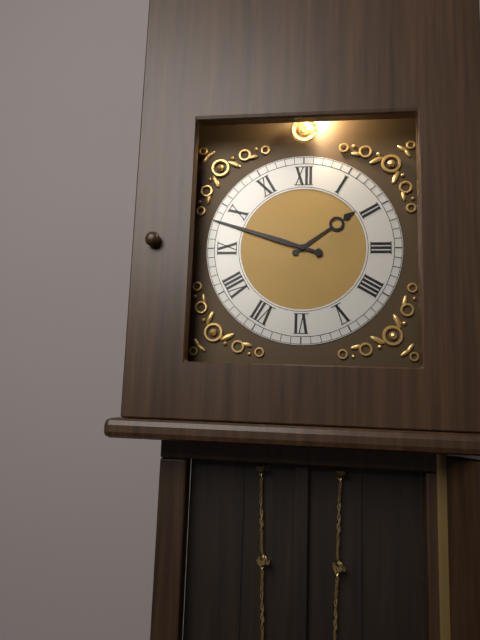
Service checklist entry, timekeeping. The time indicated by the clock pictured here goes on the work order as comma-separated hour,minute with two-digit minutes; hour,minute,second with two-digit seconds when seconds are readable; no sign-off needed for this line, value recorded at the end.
1,48
